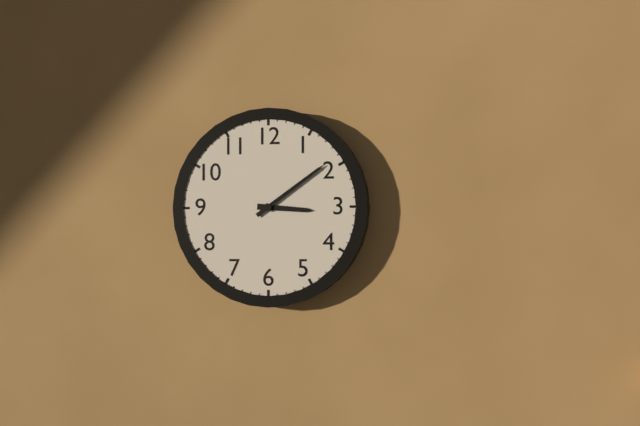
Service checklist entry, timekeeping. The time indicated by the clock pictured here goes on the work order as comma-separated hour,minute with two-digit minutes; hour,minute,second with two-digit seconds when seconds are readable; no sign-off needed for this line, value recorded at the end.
3,09
